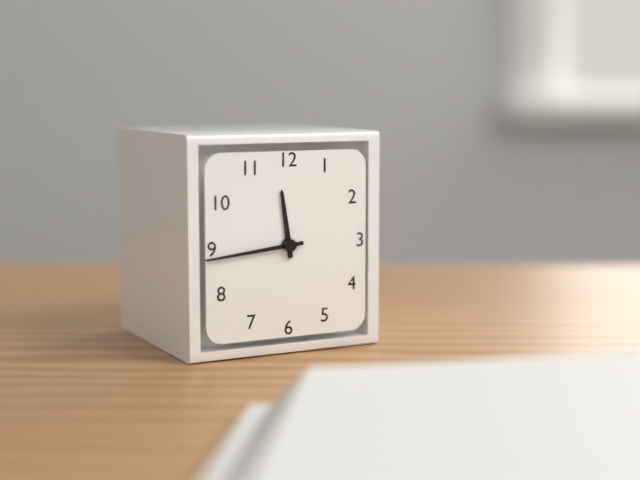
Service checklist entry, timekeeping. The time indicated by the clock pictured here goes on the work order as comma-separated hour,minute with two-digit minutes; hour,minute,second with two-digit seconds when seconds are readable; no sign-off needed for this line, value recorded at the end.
11,44
